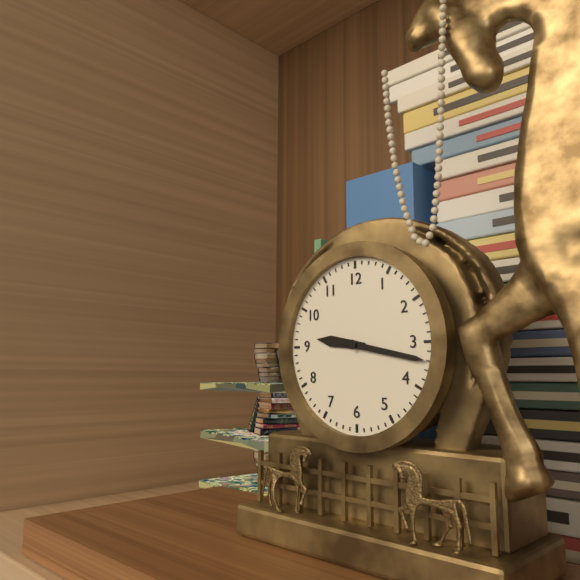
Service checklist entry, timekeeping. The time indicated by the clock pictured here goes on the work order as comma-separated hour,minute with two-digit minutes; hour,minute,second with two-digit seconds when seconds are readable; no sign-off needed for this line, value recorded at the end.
9,17
